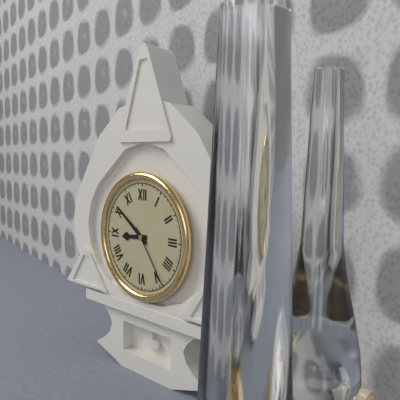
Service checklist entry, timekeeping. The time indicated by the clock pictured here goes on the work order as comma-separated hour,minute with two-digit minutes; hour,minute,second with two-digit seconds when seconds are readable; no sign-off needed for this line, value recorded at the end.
8,51,24
